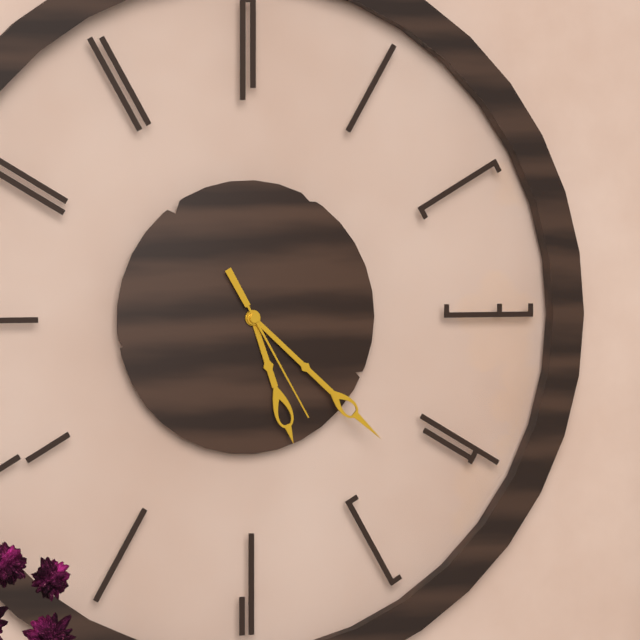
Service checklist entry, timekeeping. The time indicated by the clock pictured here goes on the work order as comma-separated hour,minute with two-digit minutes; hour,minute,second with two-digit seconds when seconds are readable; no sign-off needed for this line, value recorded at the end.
5,22,25
